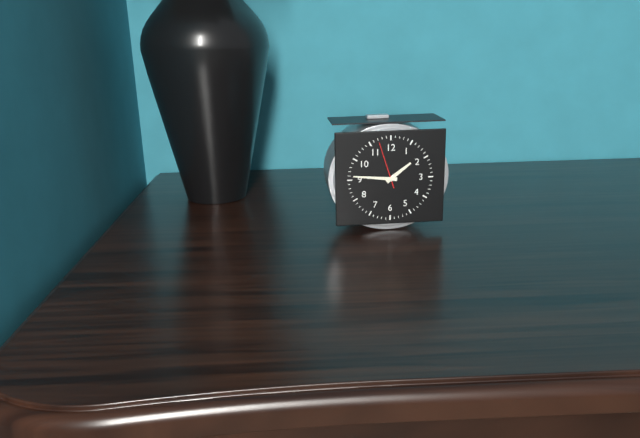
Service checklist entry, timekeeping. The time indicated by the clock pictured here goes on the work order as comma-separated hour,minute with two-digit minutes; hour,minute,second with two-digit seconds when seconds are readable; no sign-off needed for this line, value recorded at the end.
1,46
